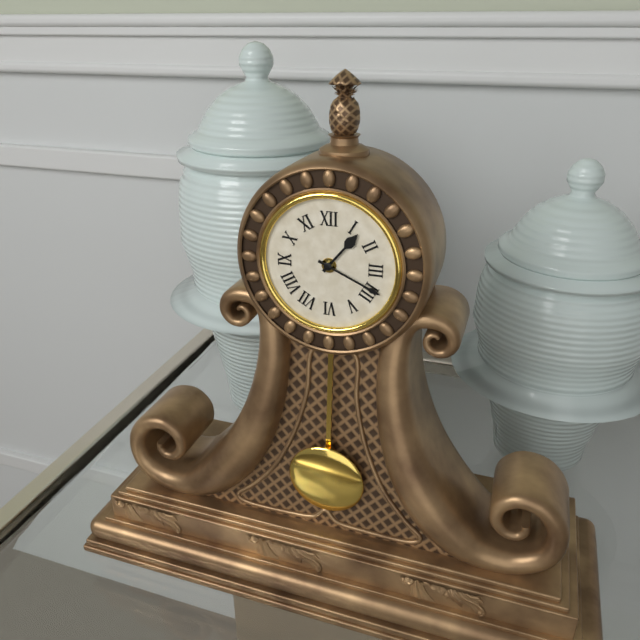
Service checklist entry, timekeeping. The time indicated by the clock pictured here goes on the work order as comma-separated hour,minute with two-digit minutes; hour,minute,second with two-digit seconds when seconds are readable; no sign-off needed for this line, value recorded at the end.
1,19
